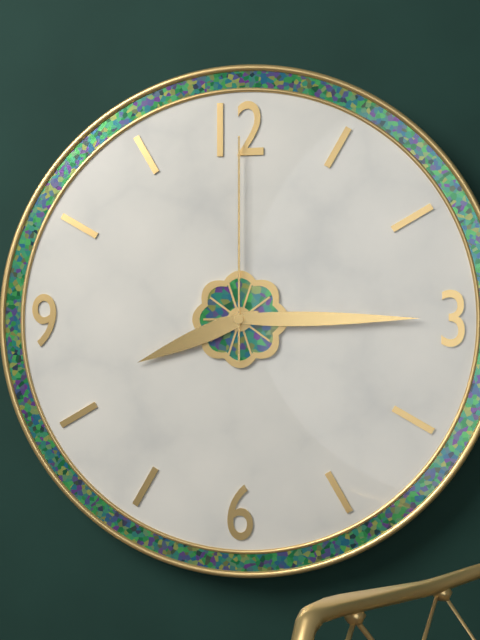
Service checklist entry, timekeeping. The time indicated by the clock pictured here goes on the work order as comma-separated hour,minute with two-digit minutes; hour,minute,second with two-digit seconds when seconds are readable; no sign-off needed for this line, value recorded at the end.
8,15,00
